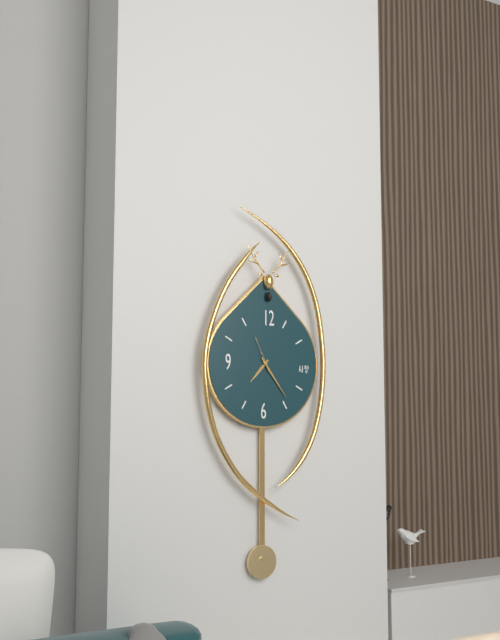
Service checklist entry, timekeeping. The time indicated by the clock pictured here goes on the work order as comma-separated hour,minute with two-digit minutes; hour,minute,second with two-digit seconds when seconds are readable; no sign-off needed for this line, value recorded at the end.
7,24
